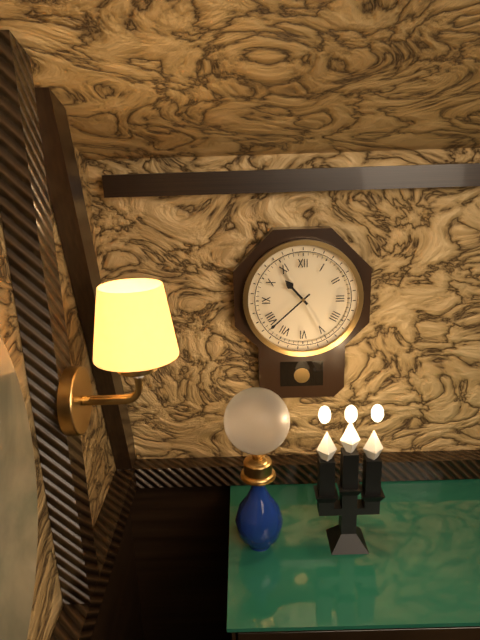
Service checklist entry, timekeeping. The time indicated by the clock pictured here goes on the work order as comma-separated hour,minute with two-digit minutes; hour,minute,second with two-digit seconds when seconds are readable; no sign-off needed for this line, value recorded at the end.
10,38
